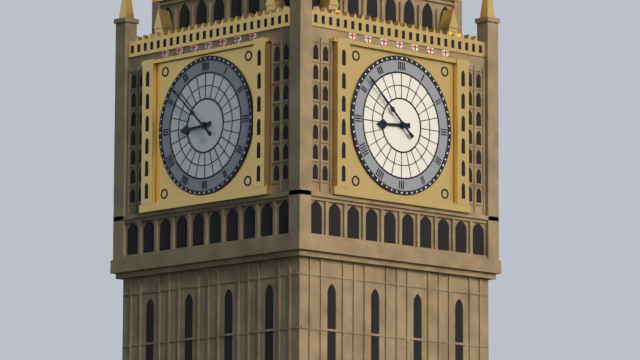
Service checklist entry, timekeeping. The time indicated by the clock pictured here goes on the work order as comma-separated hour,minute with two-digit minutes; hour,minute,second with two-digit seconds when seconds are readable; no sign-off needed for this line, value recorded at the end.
8,52
